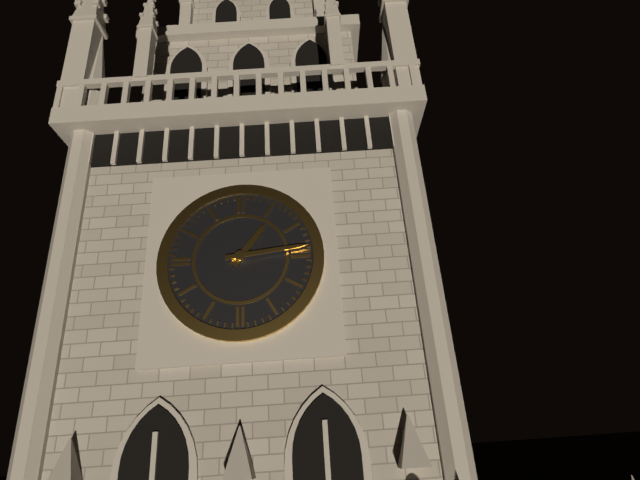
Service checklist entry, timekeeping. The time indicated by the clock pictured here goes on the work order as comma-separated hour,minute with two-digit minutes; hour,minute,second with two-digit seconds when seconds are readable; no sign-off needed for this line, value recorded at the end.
1,14
